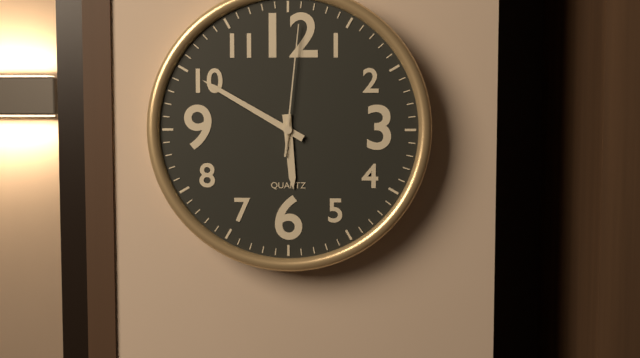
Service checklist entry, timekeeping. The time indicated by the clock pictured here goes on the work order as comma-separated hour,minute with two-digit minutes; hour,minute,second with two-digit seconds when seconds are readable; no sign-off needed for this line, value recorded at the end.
5,50,01
